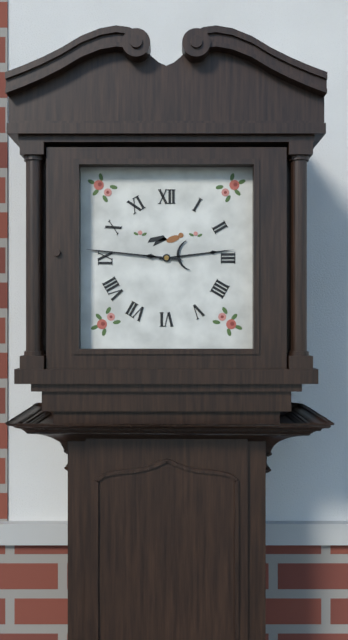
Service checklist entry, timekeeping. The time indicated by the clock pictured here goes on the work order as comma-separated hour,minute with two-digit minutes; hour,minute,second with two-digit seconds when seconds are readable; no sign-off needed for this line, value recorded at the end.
2,46
